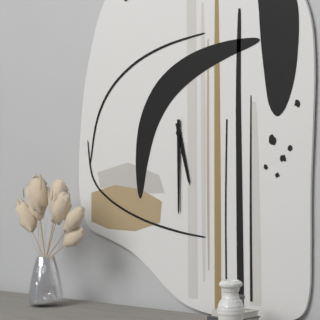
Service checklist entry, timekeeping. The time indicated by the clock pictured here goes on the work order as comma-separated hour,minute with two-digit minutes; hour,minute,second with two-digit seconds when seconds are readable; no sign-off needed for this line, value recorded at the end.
5,30
